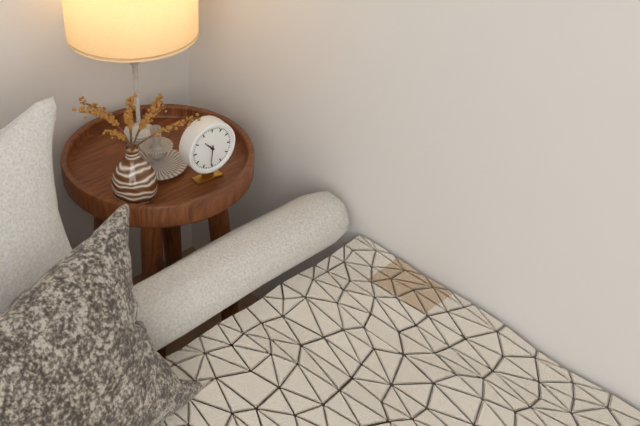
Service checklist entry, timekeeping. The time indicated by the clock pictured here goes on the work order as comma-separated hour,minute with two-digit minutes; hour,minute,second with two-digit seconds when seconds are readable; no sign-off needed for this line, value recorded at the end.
10,31
